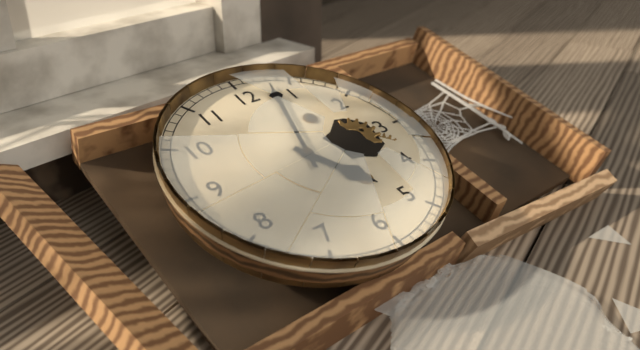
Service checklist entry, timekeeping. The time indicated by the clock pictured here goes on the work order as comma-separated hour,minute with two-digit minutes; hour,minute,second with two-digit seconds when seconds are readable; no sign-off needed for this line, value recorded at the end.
5,03
